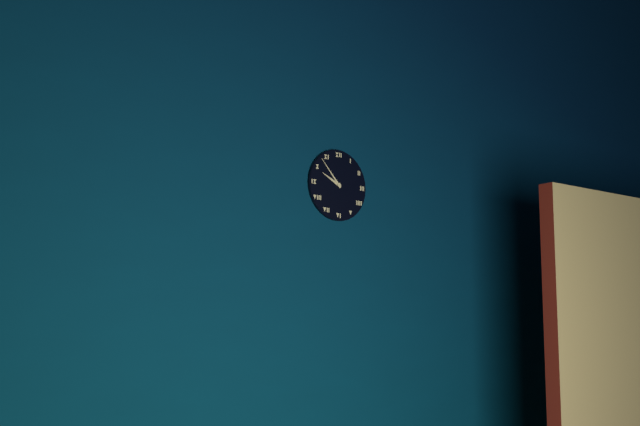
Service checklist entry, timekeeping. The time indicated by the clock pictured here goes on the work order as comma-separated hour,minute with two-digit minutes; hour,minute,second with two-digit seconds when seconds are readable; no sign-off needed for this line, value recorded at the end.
9,53
